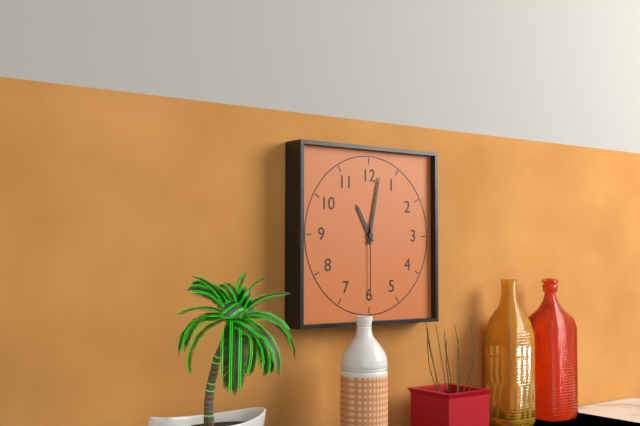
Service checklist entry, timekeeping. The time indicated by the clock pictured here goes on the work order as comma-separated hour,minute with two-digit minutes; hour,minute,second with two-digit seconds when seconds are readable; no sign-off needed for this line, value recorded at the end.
11,02,30
